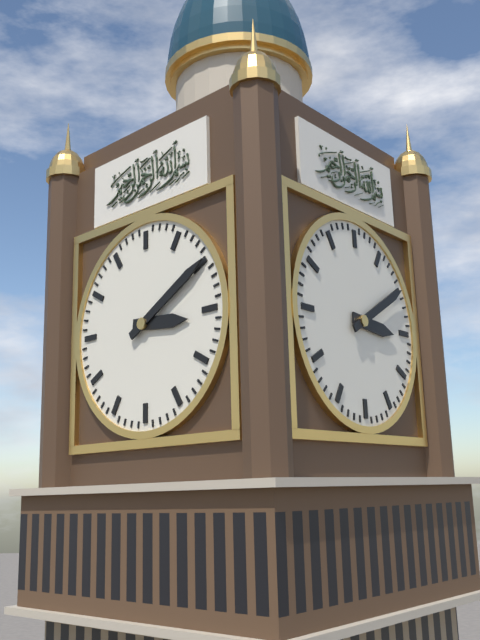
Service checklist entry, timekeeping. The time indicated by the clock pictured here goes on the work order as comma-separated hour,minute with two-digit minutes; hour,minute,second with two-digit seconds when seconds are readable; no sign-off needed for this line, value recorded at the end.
3,10
